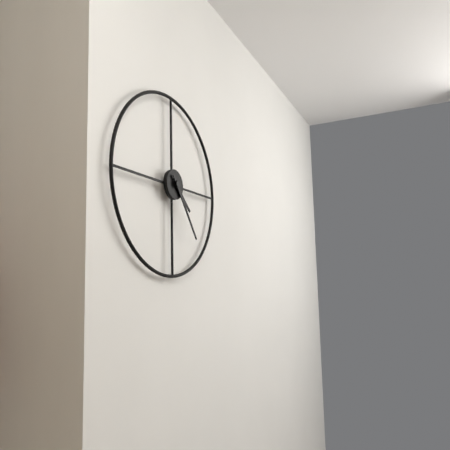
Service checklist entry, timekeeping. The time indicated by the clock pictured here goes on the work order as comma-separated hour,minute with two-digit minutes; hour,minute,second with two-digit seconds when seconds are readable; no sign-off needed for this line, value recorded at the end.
4,24
